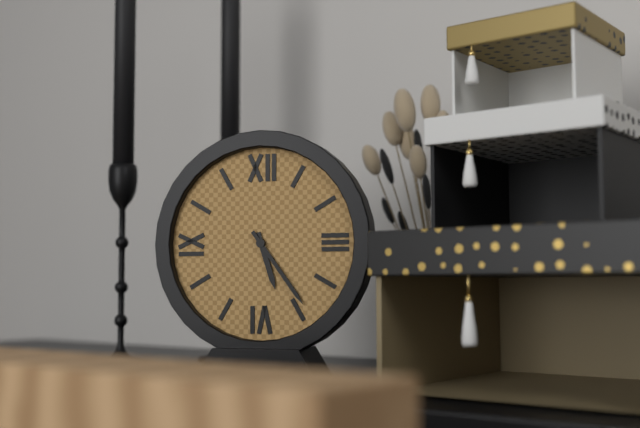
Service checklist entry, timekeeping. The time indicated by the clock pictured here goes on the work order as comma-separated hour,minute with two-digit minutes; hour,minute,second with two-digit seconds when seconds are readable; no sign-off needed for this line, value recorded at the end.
5,24
